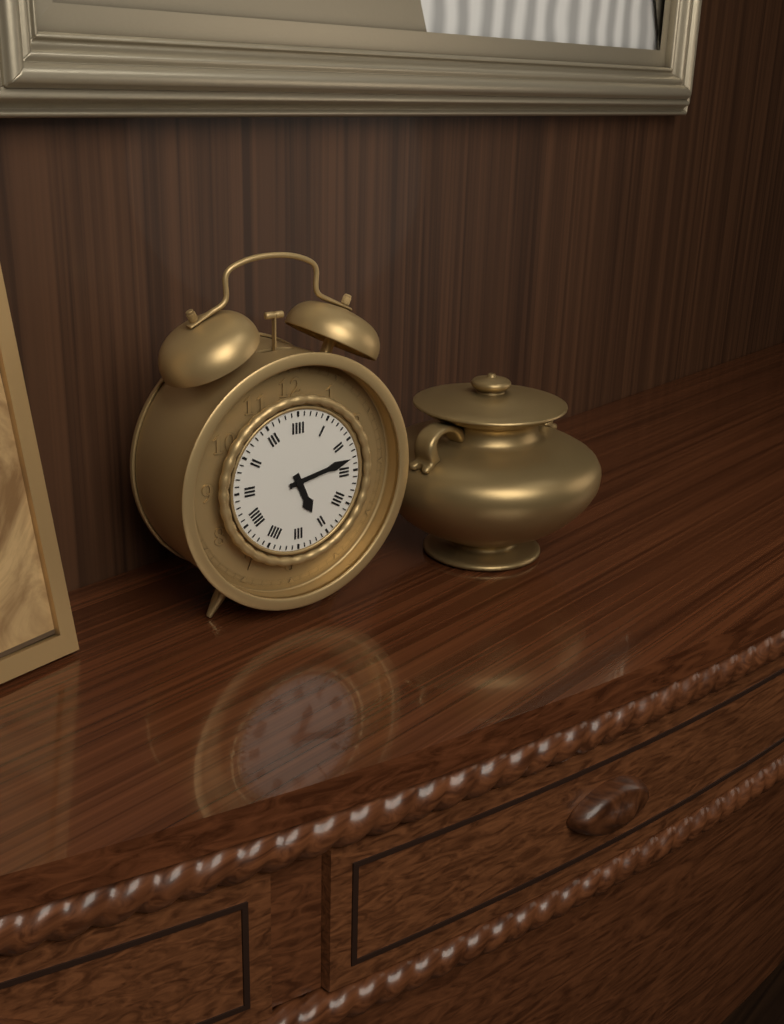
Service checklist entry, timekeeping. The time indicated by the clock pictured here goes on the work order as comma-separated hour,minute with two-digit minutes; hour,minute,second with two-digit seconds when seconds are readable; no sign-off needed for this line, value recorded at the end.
5,13
